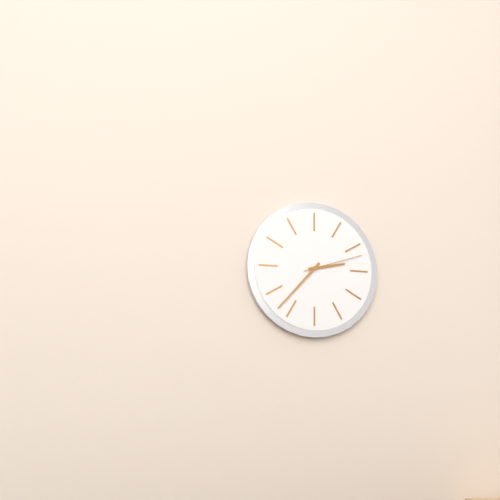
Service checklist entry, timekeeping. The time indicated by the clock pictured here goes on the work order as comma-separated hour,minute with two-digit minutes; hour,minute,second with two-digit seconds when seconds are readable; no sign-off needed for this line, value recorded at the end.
2,37,12
